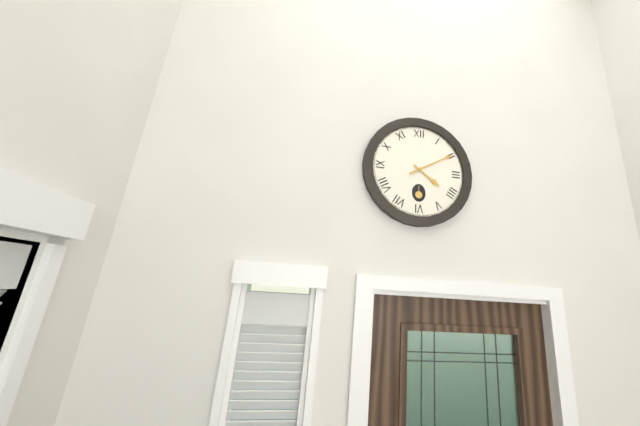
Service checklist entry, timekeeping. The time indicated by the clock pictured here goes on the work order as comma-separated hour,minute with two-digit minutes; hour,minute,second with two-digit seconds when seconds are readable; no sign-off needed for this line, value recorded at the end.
4,10
